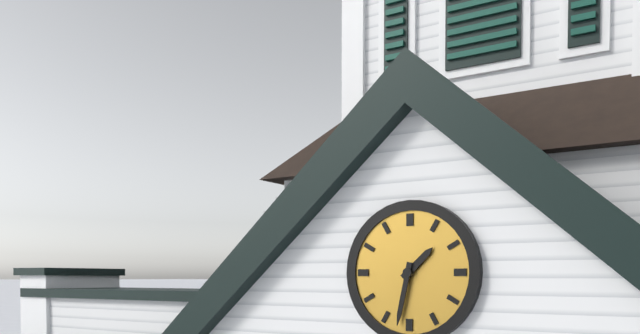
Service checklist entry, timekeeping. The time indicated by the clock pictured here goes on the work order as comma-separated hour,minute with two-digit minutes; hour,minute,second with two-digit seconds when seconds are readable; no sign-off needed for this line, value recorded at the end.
1,32
